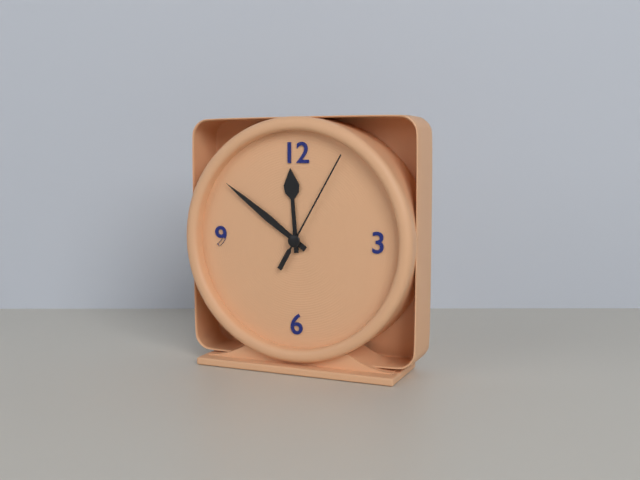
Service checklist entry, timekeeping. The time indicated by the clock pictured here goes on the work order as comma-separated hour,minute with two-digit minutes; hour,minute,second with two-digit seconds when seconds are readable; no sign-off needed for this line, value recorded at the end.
11,51,05
